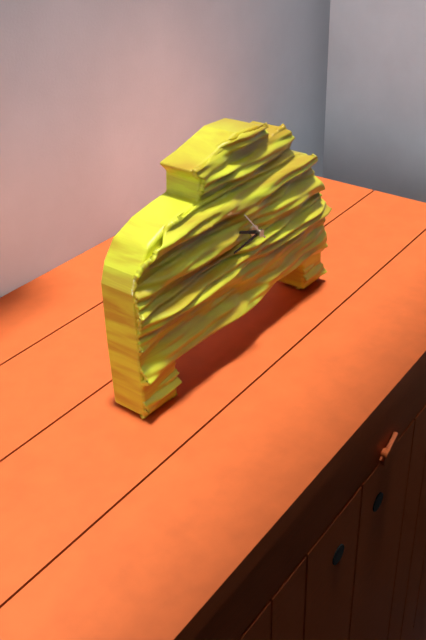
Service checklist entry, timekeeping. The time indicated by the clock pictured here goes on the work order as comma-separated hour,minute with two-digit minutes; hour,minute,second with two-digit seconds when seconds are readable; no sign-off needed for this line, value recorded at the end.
9,44
